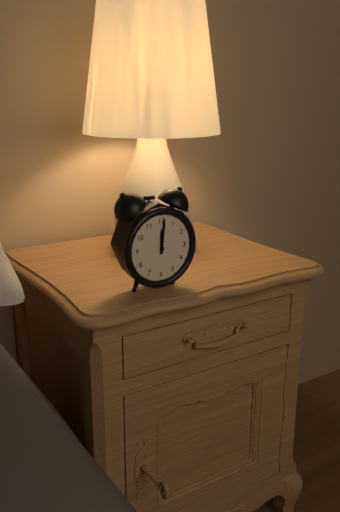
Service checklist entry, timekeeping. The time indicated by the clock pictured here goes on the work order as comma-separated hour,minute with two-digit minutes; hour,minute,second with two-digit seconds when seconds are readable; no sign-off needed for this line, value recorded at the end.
12,01
